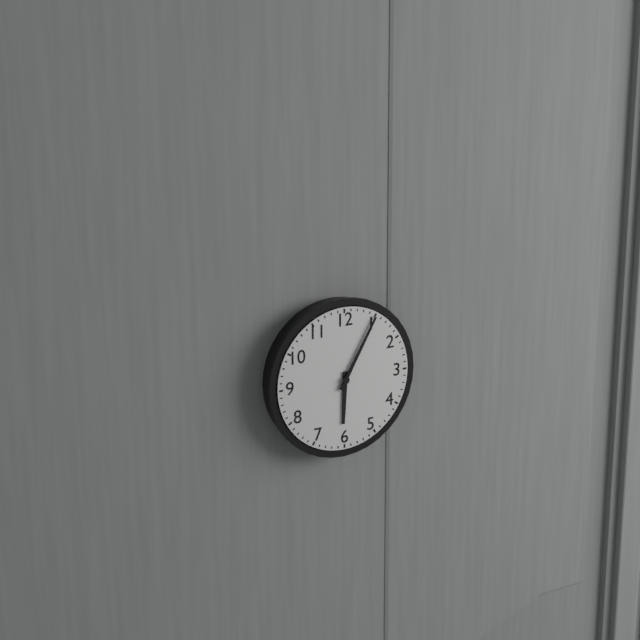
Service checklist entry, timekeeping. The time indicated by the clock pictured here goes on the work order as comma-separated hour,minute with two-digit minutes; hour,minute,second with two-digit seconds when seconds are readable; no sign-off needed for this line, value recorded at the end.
6,05
